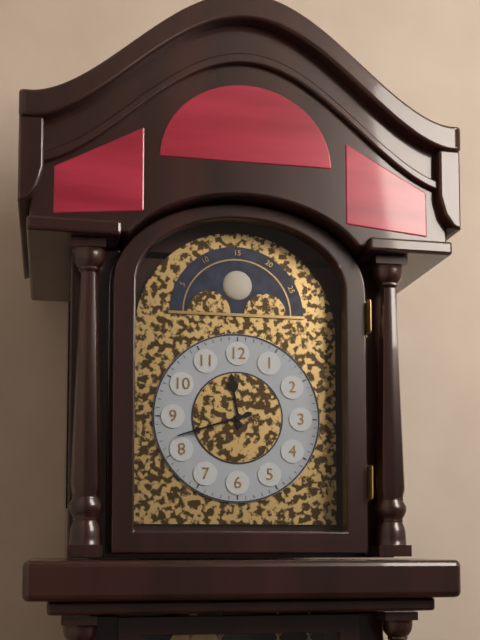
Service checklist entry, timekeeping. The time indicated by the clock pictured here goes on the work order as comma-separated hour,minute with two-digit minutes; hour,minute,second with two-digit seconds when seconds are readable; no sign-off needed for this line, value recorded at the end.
11,42
